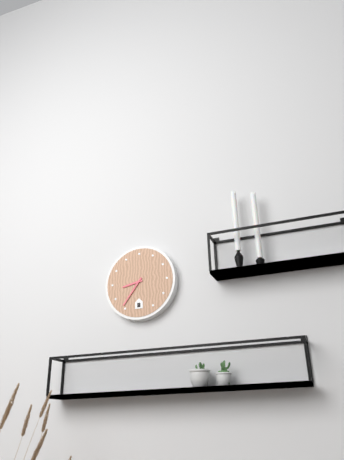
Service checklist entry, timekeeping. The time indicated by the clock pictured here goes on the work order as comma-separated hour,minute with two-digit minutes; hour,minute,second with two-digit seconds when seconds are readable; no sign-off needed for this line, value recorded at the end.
8,36
